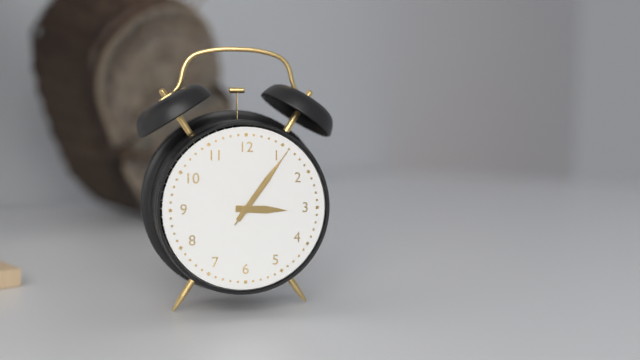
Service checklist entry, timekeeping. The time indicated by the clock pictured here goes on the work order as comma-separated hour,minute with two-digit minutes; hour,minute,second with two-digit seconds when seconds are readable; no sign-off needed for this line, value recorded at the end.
3,06,06
